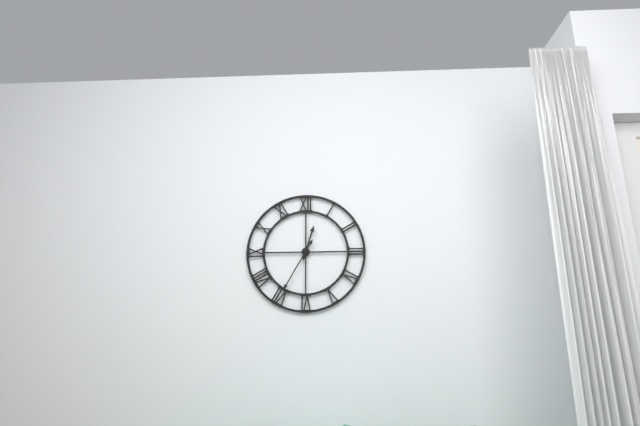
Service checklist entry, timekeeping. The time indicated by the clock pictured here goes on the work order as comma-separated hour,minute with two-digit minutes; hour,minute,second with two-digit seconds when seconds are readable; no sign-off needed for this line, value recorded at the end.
12,35
